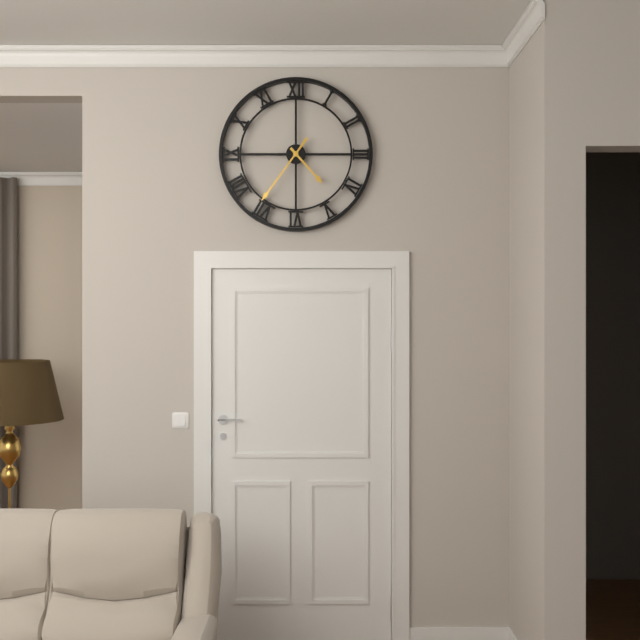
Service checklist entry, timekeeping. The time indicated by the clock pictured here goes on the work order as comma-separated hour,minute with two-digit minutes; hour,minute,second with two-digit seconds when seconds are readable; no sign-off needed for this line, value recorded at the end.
4,36
